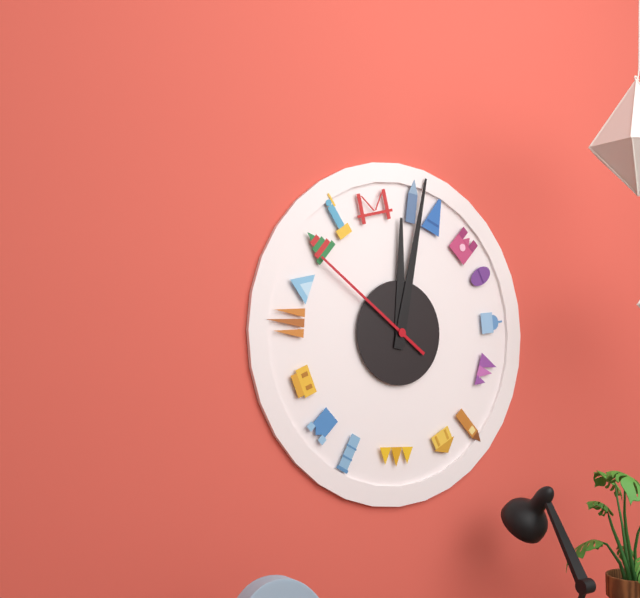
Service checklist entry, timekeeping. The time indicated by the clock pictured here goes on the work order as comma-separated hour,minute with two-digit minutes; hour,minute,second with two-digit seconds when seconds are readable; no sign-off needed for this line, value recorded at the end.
12,02,51
